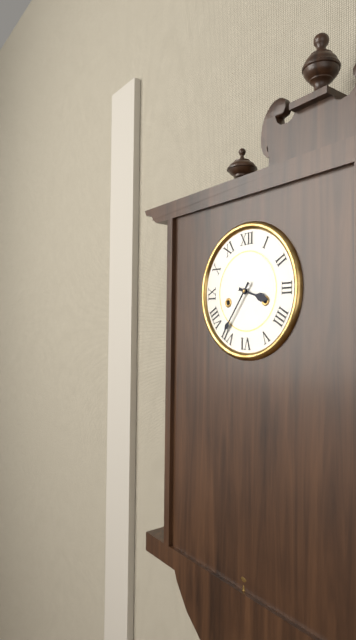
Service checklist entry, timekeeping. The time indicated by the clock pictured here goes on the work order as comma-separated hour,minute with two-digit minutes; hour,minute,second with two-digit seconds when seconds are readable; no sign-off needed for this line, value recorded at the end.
3,36
